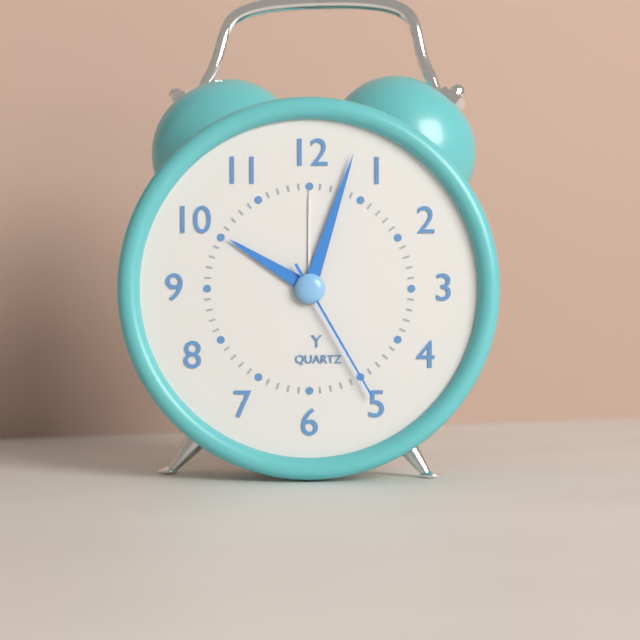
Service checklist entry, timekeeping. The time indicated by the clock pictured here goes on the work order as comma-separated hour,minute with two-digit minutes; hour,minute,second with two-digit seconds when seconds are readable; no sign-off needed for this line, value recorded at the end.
10,03,25
